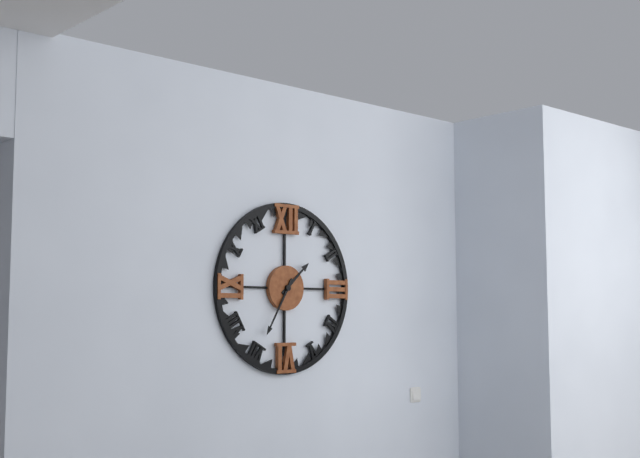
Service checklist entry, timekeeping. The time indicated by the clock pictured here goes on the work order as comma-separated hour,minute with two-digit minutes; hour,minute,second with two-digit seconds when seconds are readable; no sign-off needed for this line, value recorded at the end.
1,35
